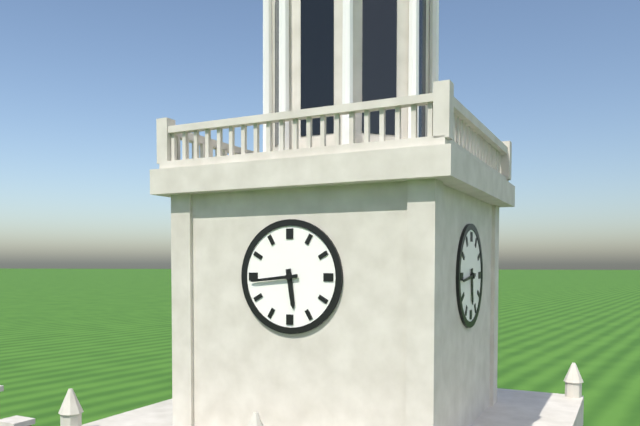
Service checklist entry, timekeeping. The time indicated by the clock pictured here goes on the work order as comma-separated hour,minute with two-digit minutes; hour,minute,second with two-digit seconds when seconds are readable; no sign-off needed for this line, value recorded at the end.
5,44
